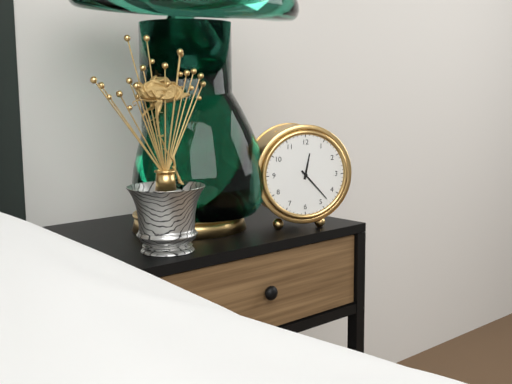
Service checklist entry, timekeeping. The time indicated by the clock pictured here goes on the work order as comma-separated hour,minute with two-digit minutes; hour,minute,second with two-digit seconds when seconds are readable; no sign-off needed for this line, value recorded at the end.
12,23
